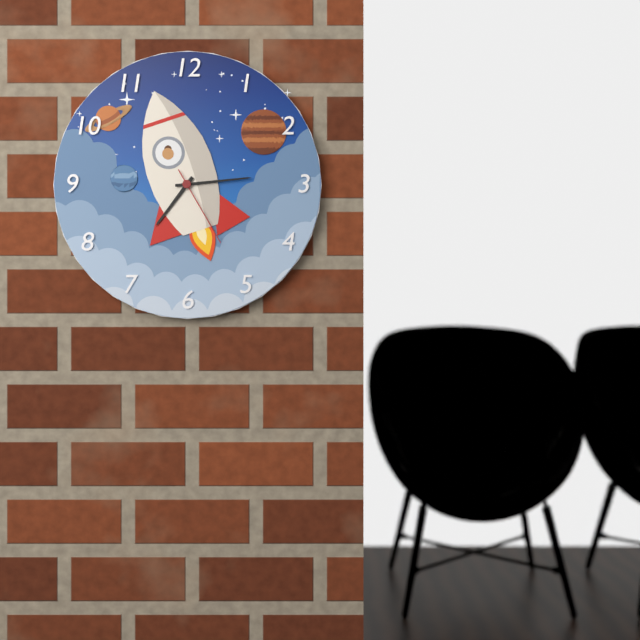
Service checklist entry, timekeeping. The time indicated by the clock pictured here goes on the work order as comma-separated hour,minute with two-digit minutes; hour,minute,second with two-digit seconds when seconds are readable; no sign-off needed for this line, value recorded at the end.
7,14,25
